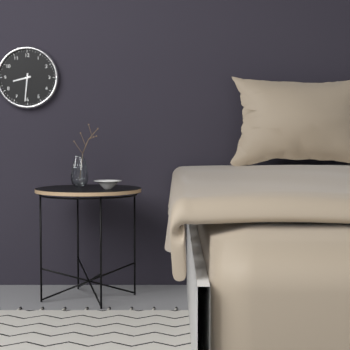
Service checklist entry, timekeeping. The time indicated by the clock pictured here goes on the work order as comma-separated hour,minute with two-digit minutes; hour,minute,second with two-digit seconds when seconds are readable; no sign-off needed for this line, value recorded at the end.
8,31
